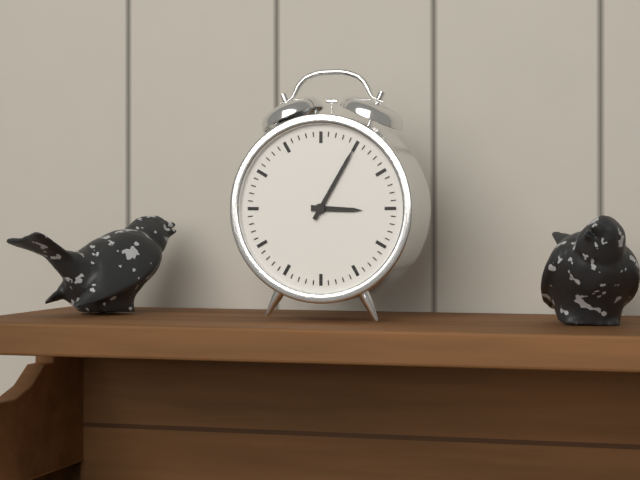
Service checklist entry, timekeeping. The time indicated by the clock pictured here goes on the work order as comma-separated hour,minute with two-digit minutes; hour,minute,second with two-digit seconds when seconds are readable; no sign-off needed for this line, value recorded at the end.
3,05
